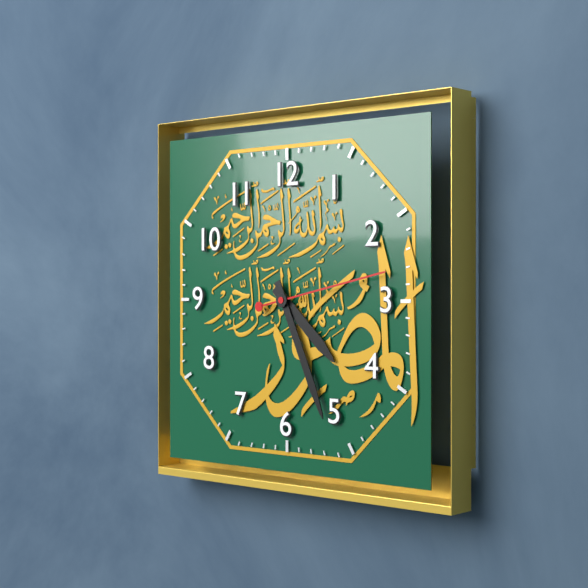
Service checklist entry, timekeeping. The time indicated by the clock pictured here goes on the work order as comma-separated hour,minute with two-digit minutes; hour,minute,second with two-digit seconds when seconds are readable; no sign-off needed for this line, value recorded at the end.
4,26,13
